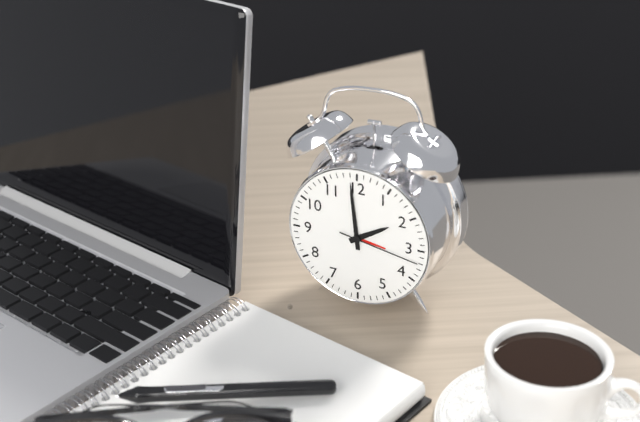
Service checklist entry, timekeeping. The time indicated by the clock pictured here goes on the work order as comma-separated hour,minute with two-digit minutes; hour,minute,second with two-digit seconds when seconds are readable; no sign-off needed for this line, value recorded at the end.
1,59,17
